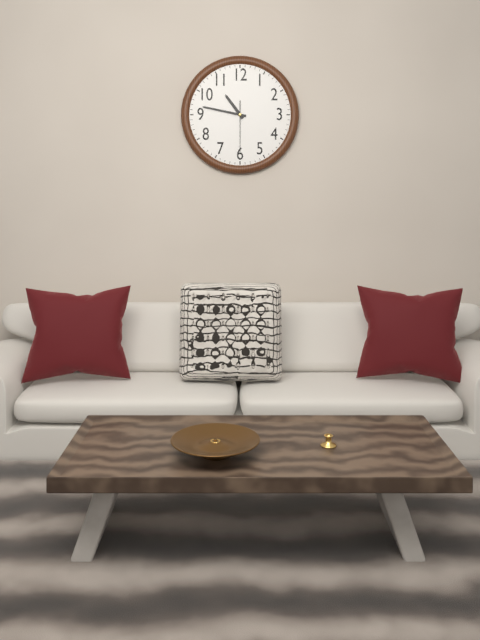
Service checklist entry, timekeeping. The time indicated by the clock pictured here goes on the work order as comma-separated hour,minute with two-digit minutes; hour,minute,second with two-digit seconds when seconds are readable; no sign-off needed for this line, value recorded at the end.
10,47
